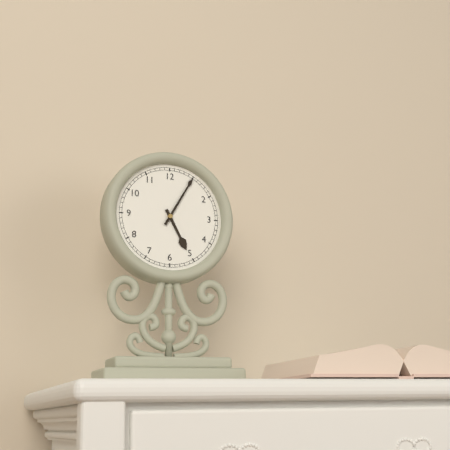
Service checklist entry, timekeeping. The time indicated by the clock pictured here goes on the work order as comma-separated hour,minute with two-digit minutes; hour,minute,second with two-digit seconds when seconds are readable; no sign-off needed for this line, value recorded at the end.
5,05
